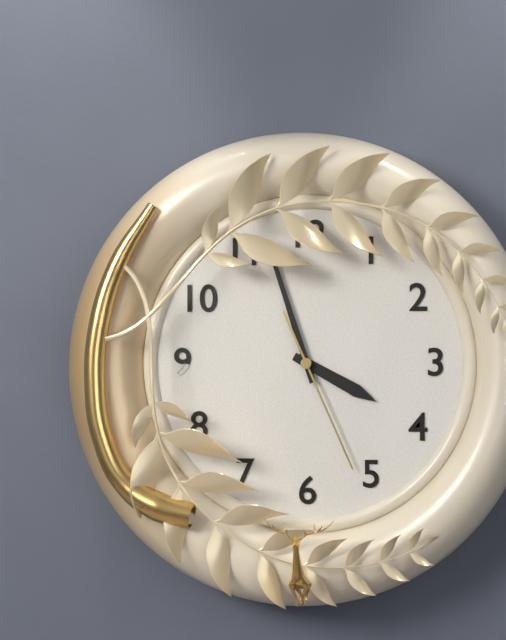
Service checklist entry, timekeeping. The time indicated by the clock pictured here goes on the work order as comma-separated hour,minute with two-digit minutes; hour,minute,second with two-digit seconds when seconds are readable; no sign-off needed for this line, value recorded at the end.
3,57,26
